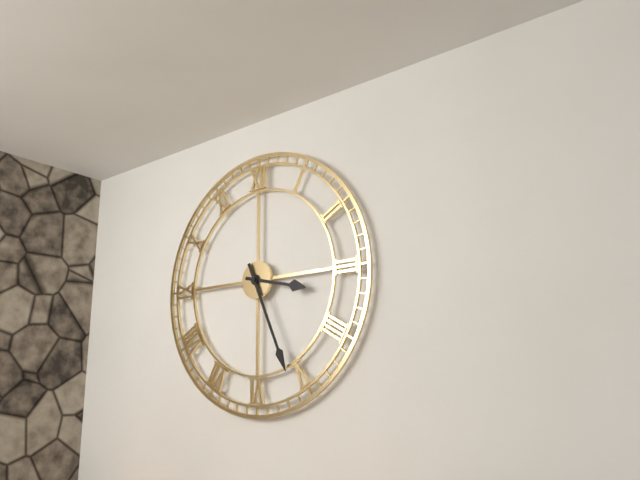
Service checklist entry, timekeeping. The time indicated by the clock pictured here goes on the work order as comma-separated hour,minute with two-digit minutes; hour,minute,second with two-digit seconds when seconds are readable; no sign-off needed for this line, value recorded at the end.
3,26
